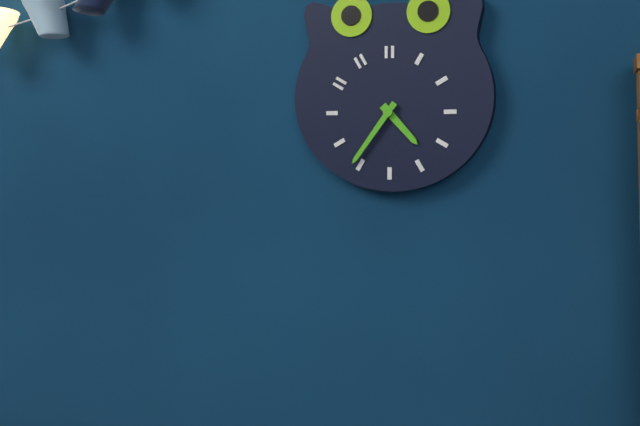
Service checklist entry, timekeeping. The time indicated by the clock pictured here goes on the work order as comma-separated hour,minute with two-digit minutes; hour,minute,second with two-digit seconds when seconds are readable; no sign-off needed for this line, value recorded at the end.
4,36
